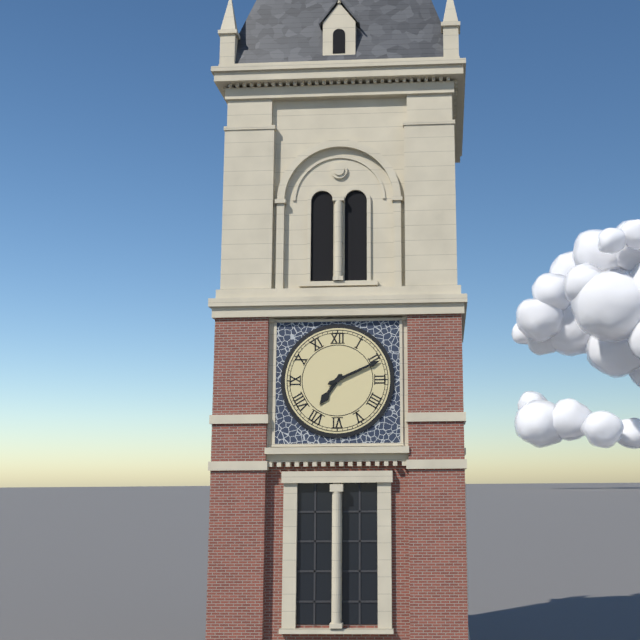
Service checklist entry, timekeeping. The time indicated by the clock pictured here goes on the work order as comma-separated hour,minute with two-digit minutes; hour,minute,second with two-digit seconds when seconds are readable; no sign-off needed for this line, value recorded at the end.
7,11
